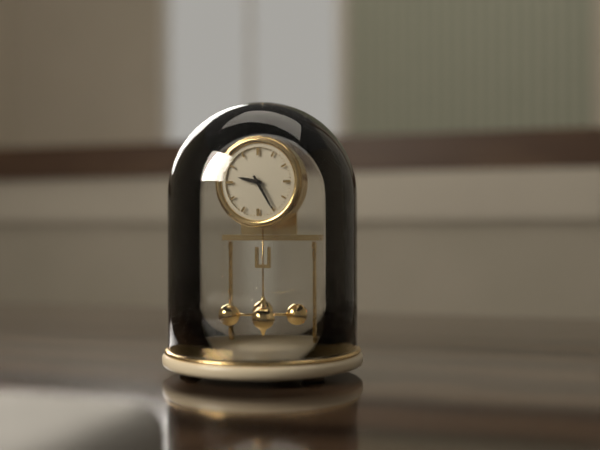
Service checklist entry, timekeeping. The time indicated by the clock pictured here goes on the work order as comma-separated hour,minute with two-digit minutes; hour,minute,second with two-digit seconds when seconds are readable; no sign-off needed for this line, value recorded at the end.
9,25
